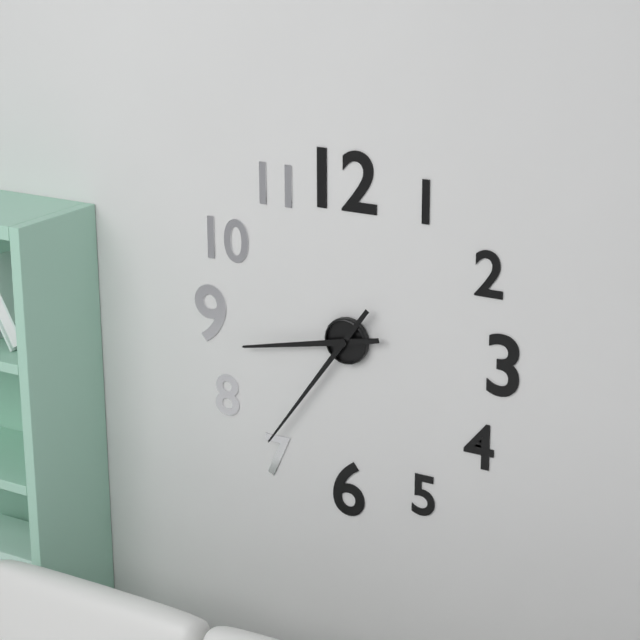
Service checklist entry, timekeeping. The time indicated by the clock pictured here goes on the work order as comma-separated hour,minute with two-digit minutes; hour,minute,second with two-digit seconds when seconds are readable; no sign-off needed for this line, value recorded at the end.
8,36
